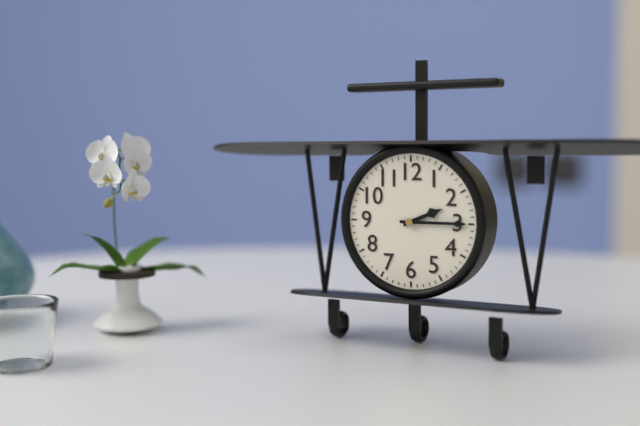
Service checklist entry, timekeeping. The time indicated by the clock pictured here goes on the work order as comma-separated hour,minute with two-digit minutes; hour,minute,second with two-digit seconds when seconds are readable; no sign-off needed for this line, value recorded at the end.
2,15
